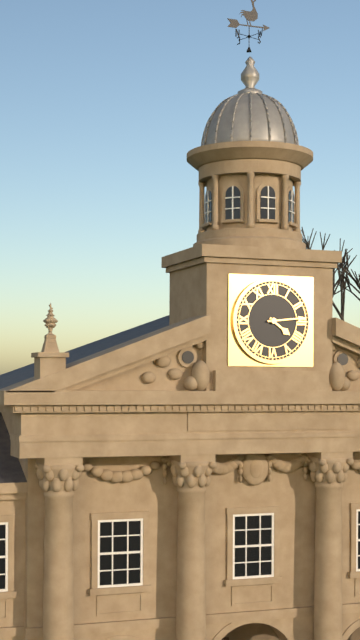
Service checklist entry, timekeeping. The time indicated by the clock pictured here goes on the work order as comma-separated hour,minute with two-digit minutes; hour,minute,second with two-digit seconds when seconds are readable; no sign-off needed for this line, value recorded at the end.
4,14
